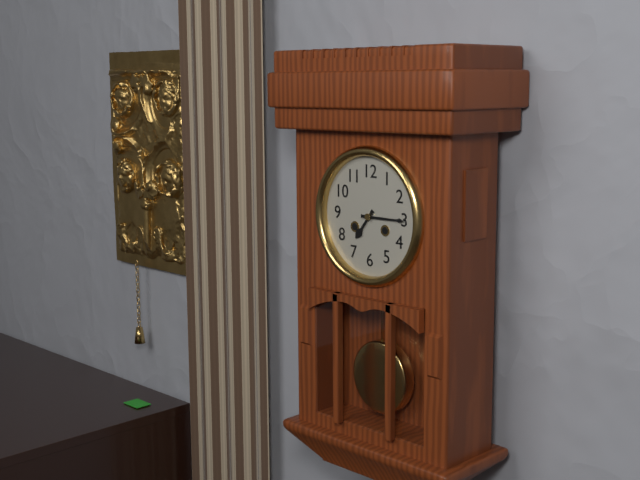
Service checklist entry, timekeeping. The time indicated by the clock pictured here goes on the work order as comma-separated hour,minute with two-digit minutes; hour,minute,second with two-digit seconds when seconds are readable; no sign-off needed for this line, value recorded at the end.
7,15
